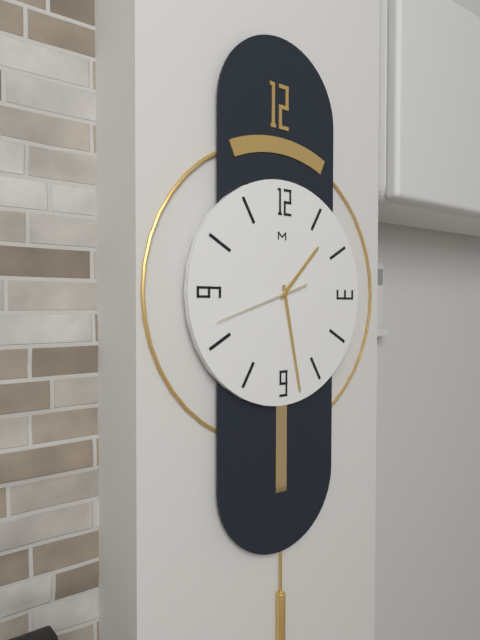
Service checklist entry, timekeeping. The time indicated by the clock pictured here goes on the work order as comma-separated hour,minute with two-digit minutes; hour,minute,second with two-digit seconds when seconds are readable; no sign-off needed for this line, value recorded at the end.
1,28,42
